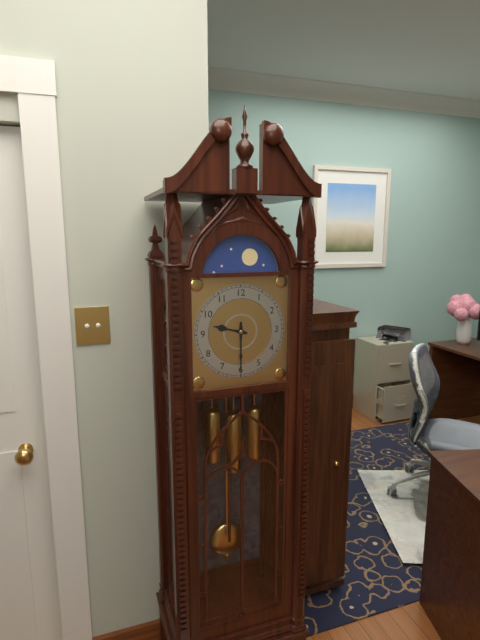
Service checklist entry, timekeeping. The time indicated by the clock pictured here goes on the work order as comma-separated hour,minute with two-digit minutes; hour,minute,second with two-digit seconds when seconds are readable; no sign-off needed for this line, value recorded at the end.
9,30
